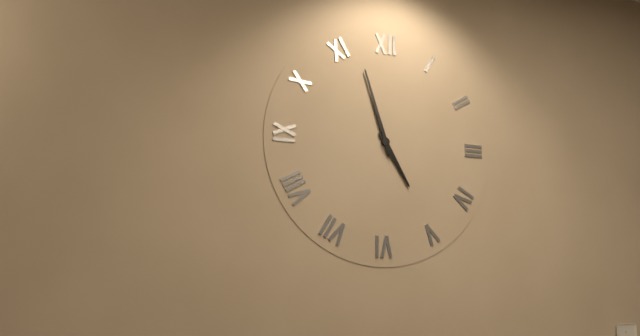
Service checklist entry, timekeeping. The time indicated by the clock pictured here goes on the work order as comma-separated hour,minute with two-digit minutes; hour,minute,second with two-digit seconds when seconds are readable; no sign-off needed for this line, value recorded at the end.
4,57
